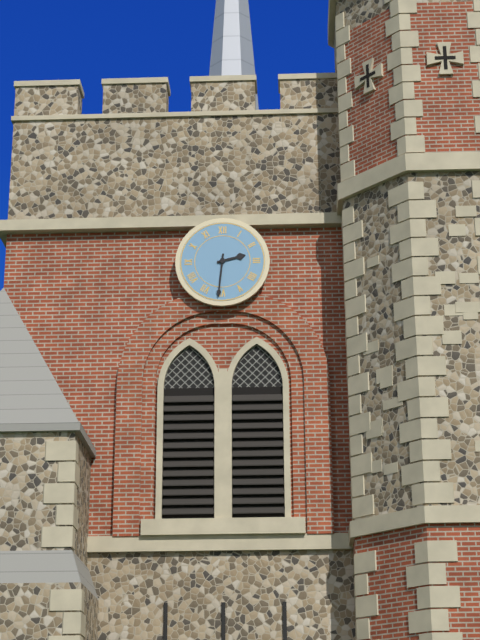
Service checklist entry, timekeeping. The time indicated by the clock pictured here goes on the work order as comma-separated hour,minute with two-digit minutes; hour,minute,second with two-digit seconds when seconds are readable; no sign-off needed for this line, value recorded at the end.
2,31
